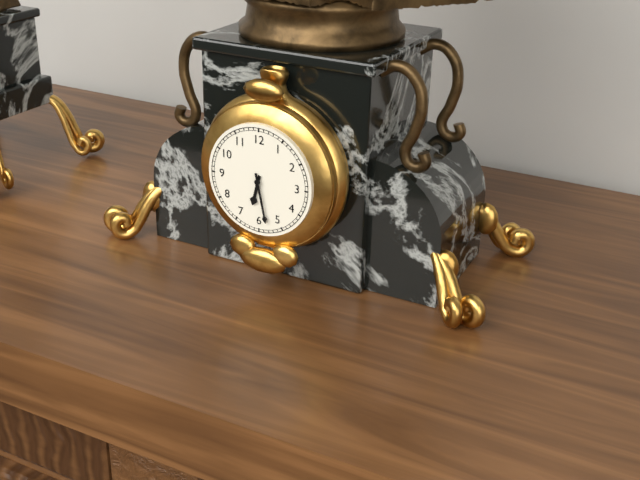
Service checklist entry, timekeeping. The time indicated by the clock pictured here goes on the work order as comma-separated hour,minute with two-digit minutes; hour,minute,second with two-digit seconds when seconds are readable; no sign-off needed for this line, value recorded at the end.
6,28
